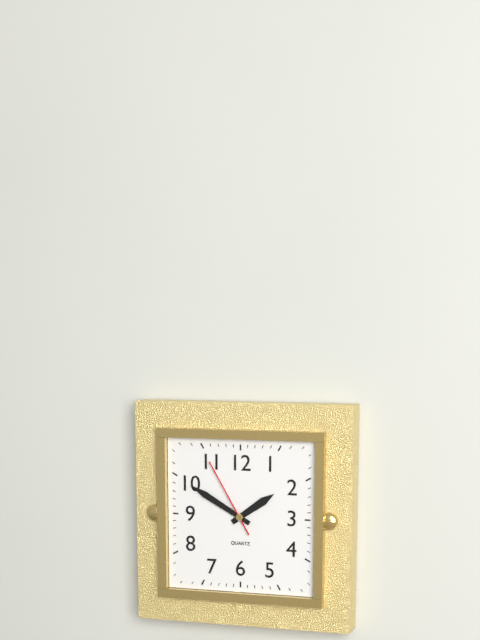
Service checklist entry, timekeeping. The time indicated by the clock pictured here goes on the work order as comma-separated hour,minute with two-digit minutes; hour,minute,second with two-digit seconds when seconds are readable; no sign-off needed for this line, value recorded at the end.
1,50,55
